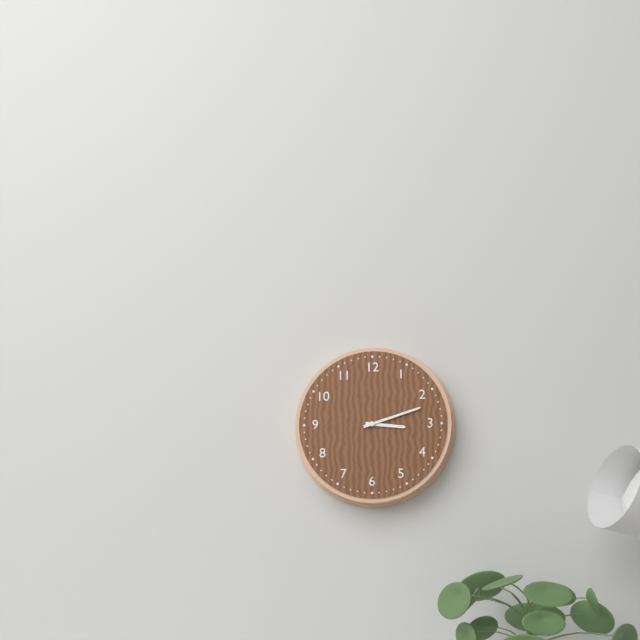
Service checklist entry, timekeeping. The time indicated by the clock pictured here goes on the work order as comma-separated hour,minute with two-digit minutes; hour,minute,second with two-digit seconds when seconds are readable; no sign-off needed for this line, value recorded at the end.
3,12
